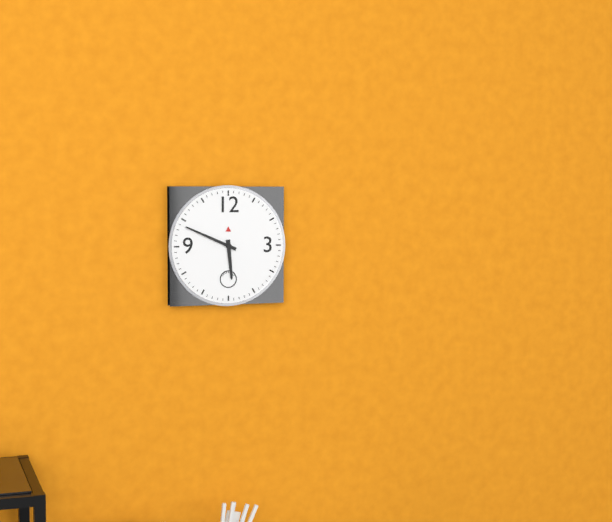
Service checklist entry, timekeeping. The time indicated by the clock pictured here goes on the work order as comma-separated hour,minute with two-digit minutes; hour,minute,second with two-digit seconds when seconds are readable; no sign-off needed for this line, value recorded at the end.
5,49
